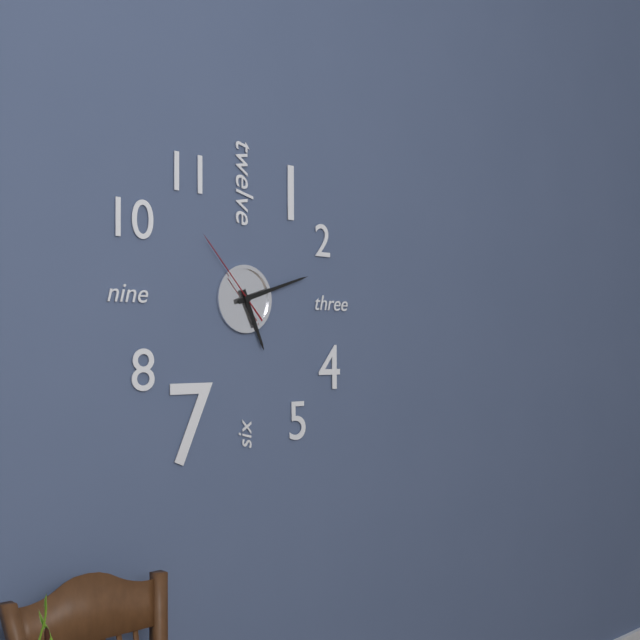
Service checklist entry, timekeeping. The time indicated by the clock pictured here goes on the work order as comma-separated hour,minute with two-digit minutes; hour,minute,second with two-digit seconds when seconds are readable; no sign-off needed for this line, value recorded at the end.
5,12,53
